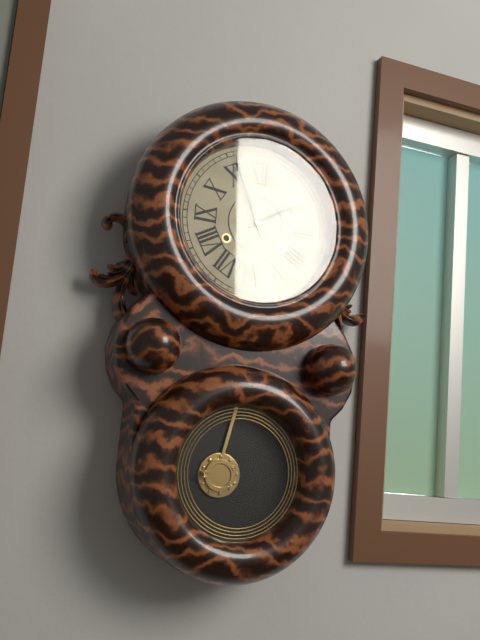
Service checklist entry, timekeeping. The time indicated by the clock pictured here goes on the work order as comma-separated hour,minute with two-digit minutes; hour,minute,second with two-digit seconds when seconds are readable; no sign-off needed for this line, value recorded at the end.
1,56
